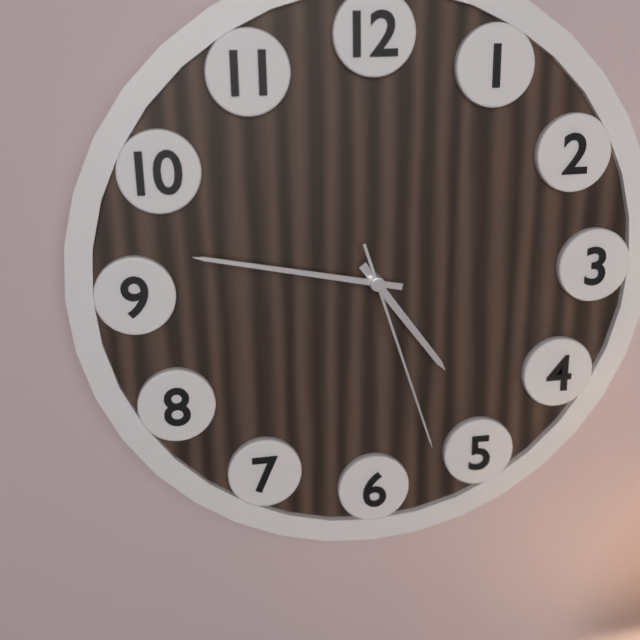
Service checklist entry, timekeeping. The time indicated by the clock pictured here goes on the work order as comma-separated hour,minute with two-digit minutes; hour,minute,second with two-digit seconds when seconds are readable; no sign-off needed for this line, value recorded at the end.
4,47,27
